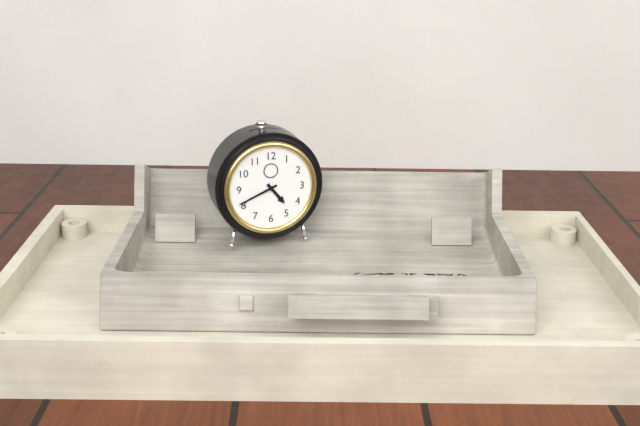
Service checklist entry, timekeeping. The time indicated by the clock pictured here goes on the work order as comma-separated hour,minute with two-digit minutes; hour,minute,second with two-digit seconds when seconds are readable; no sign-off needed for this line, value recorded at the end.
4,41
